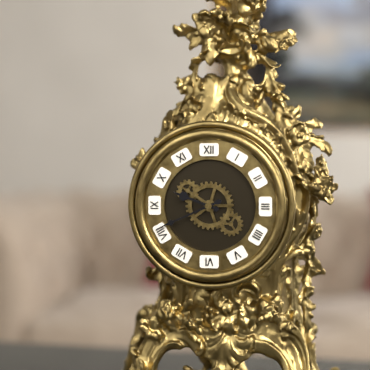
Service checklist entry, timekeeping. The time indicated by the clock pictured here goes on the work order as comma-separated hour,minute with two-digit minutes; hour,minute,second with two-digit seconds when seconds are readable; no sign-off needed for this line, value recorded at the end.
9,41
